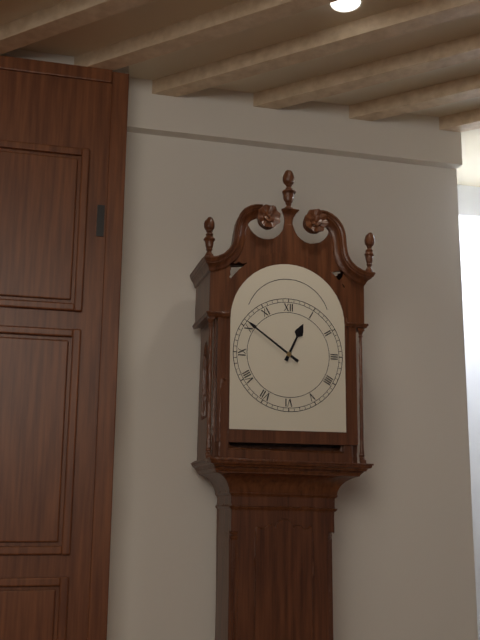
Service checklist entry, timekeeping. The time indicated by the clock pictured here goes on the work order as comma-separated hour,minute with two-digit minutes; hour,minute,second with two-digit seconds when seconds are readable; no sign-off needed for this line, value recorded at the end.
12,51
